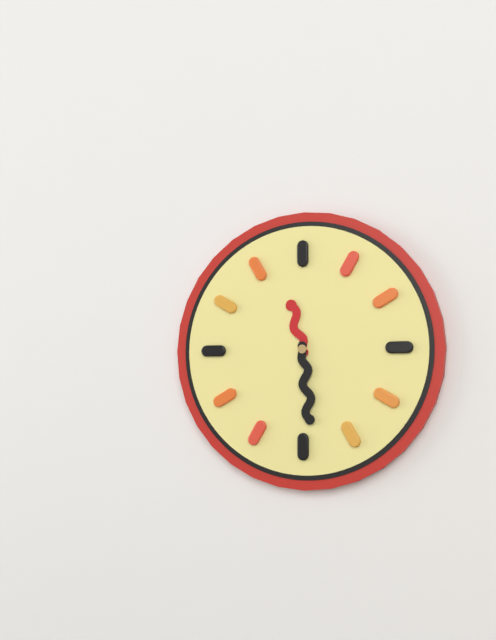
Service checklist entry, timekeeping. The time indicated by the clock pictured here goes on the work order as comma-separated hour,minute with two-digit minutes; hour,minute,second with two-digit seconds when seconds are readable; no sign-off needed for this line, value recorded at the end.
11,29
